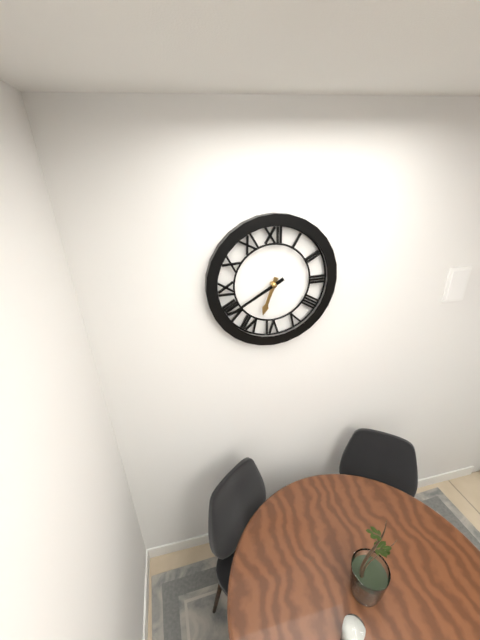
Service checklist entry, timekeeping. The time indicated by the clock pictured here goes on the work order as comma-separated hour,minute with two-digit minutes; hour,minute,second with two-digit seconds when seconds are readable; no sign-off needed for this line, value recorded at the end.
6,40
